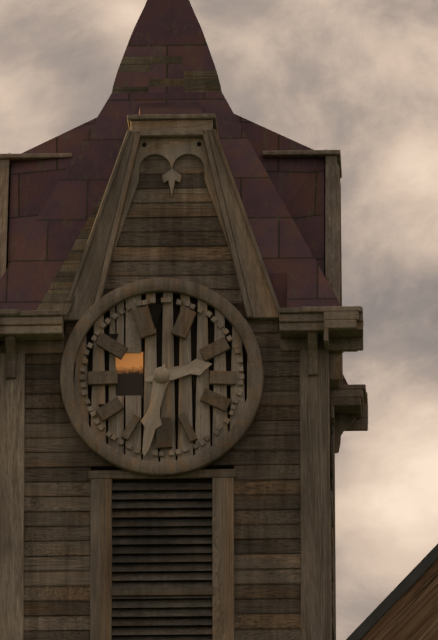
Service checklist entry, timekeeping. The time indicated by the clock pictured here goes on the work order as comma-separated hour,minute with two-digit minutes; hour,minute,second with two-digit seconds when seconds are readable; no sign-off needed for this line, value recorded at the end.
2,32
